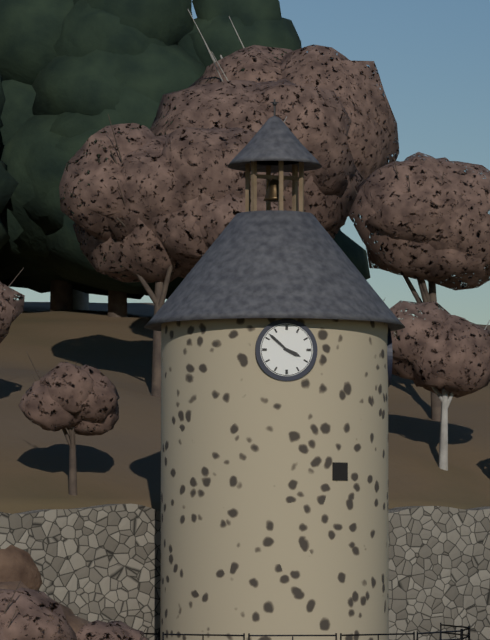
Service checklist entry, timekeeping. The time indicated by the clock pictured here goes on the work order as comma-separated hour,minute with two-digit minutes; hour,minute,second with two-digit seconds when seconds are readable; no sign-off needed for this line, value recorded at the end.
3,52
